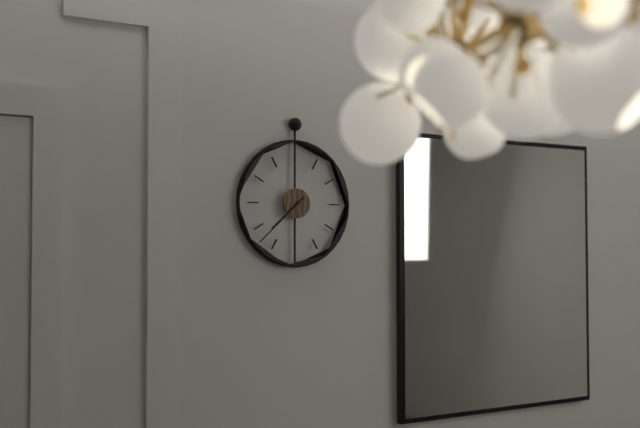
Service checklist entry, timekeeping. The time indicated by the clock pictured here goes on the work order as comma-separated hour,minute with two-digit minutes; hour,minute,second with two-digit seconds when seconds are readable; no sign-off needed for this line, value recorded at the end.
7,38
